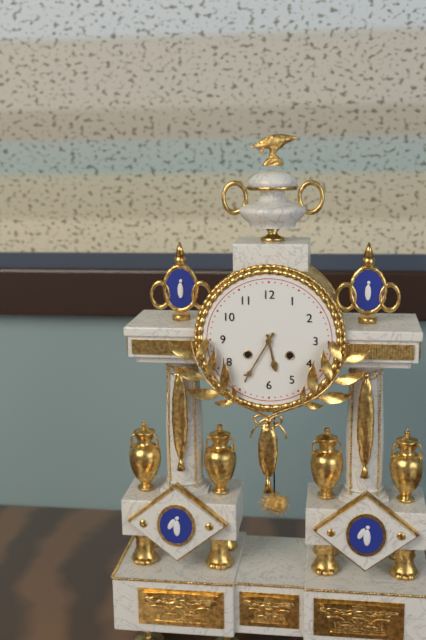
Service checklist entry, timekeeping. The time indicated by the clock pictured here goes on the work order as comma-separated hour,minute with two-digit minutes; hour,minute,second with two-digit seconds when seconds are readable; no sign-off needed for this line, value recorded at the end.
5,35
